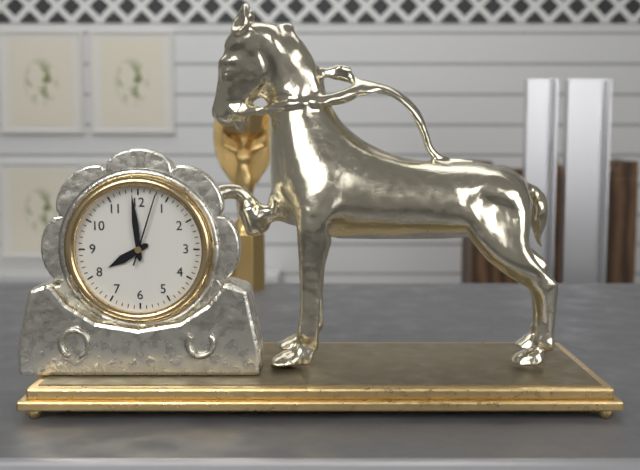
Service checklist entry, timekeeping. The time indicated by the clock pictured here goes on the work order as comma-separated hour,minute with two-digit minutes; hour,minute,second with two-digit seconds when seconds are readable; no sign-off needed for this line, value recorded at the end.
7,59,03
